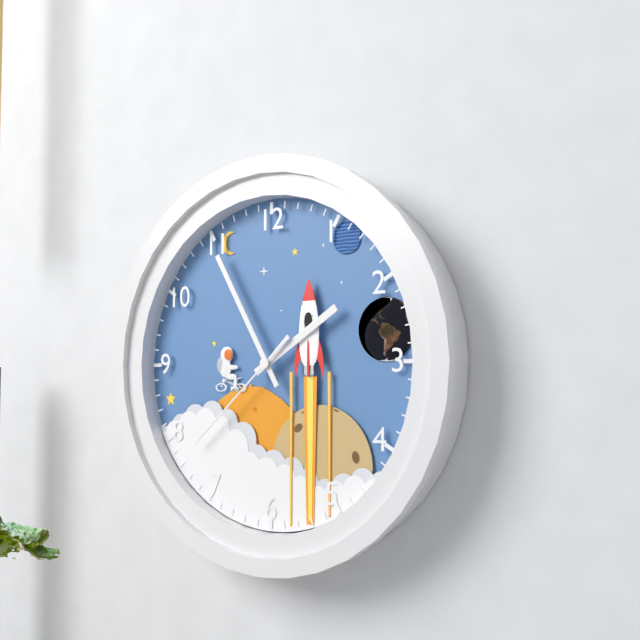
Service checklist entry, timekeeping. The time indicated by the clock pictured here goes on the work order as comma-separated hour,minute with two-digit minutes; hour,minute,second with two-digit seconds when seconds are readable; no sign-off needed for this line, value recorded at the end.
1,55,38
